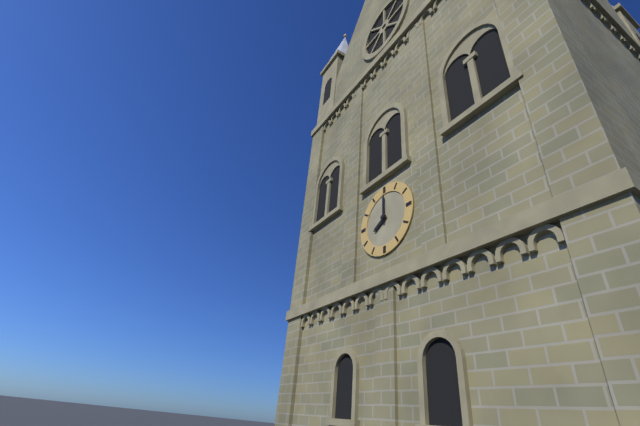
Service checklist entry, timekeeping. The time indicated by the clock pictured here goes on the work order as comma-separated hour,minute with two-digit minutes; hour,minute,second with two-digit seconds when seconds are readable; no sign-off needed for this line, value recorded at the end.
8,00
